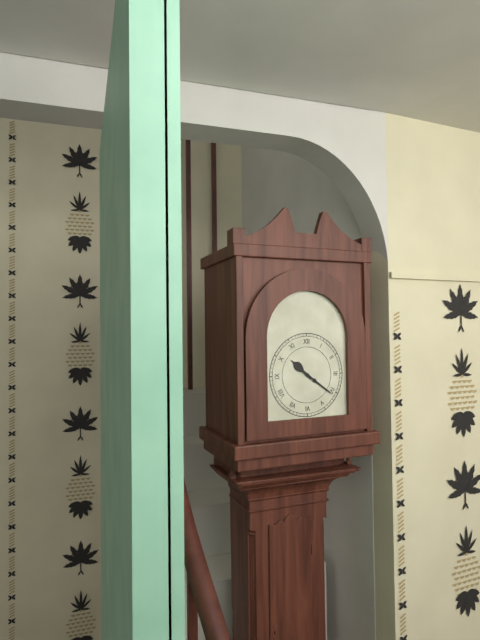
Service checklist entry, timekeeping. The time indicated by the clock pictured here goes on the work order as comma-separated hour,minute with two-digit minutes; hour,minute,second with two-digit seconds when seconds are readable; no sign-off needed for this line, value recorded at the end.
10,21
